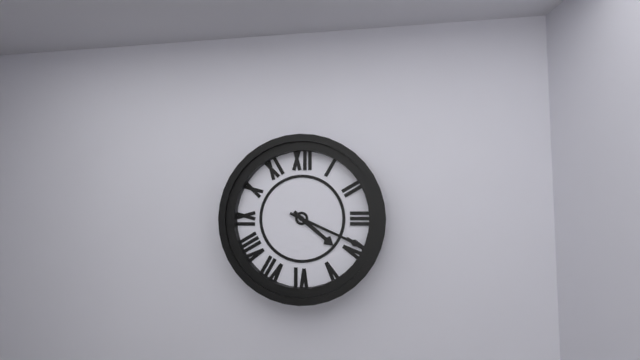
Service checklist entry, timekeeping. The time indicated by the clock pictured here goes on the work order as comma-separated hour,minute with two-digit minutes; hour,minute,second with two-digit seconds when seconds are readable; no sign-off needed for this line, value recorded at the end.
4,19
